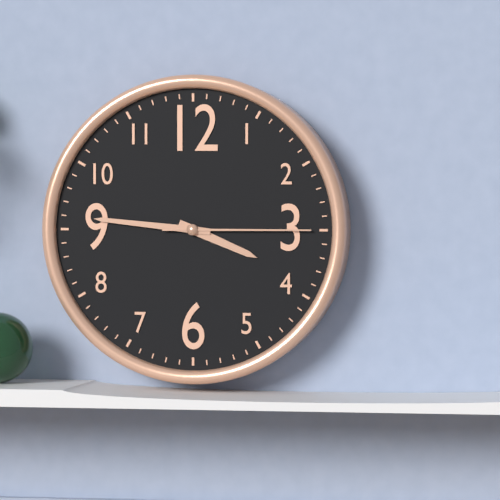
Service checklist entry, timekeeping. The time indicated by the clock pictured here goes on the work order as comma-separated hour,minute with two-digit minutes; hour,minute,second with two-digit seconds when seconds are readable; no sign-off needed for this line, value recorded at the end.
3,46,15
